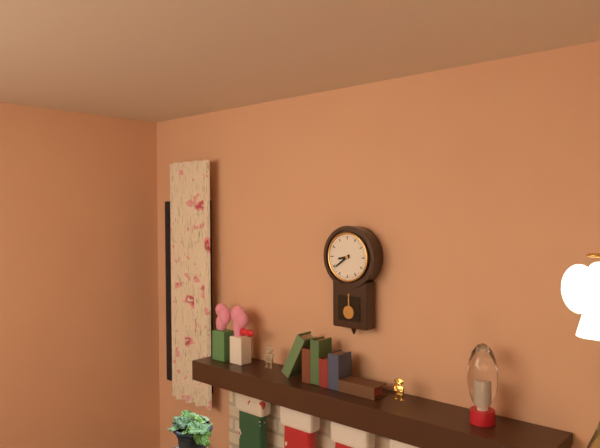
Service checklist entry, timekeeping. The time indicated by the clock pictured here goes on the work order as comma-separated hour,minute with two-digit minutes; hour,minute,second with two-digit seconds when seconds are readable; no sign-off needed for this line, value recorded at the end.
8,39
